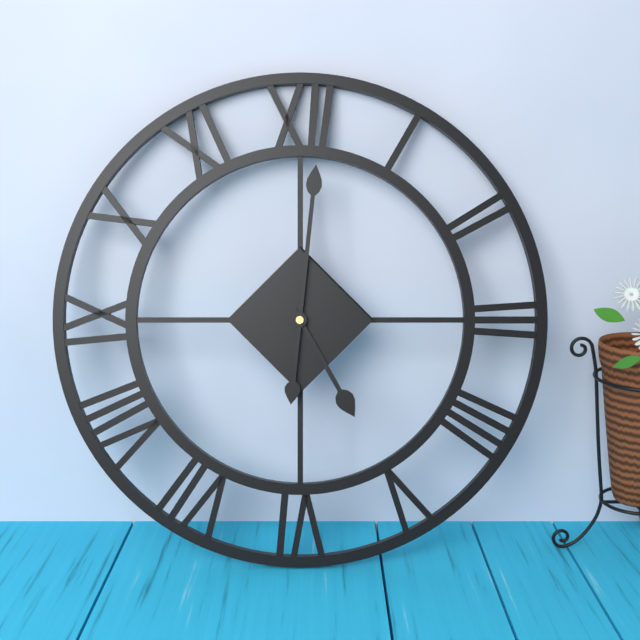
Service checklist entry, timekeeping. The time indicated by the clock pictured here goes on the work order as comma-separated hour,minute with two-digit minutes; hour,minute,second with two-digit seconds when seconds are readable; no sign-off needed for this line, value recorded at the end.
5,01
